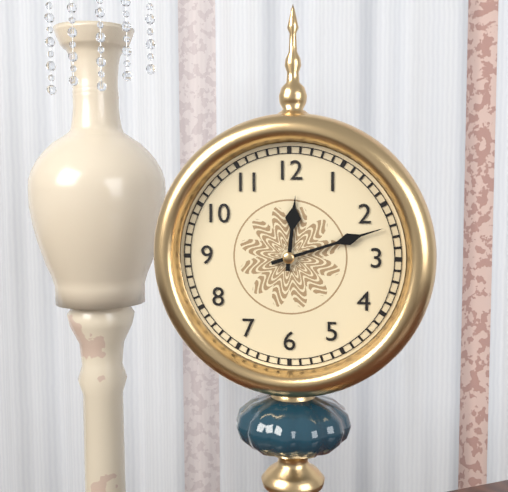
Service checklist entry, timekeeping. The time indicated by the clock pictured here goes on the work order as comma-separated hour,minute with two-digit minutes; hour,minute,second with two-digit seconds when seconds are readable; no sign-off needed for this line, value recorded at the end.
12,12
